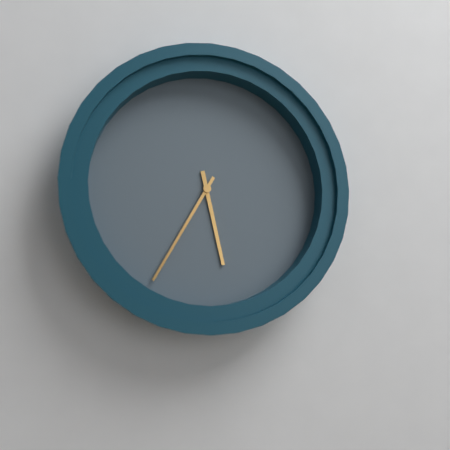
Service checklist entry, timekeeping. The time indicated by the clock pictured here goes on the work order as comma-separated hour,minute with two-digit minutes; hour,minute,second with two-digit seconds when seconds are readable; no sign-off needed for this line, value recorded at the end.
5,35
